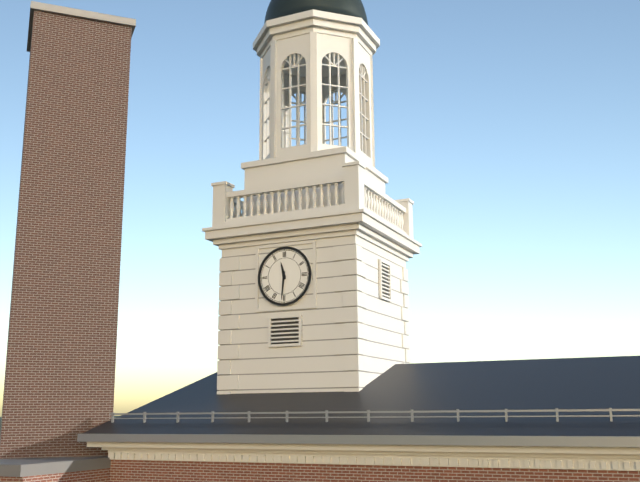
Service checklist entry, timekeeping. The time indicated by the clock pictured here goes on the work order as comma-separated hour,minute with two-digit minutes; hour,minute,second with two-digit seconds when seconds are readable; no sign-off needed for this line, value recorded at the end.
11,31
